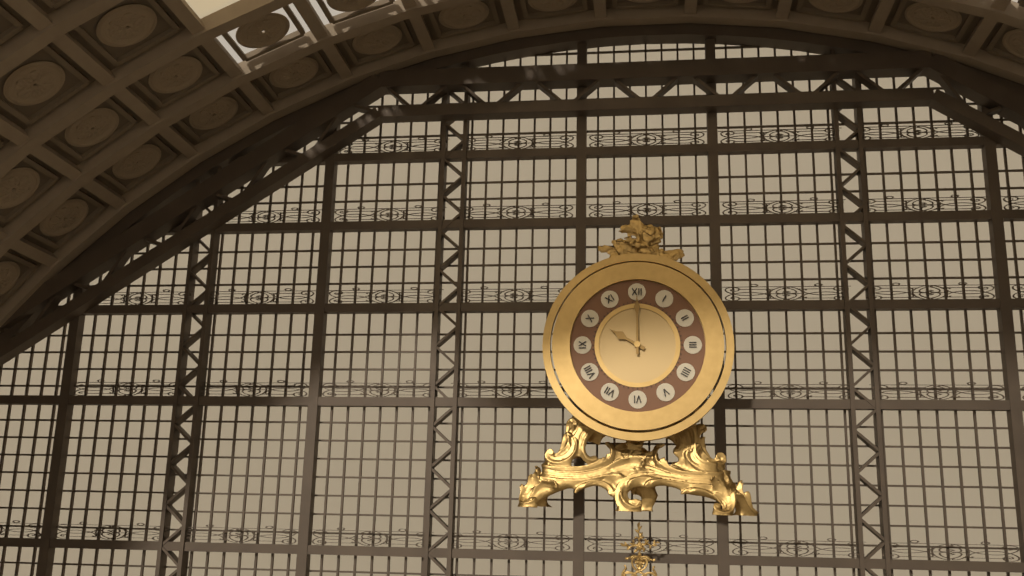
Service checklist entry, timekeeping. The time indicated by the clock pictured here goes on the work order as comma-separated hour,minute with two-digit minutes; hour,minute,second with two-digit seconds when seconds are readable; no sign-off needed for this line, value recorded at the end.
10,00
